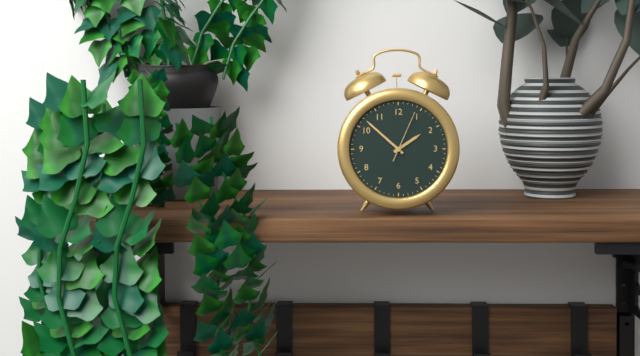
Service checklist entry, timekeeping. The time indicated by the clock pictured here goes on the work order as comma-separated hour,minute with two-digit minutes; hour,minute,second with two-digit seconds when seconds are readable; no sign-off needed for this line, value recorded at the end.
1,52,04
